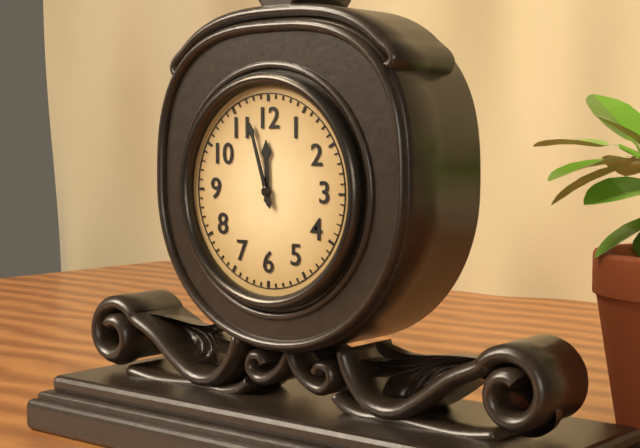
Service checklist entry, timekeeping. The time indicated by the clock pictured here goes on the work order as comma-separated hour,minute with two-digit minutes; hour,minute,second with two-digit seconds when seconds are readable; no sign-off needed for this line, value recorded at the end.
11,57
